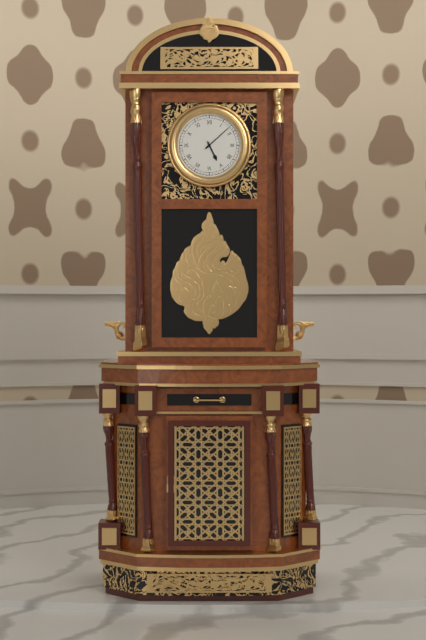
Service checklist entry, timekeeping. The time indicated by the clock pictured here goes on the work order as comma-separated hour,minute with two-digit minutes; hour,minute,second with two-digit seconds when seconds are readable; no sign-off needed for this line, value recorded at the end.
5,08
